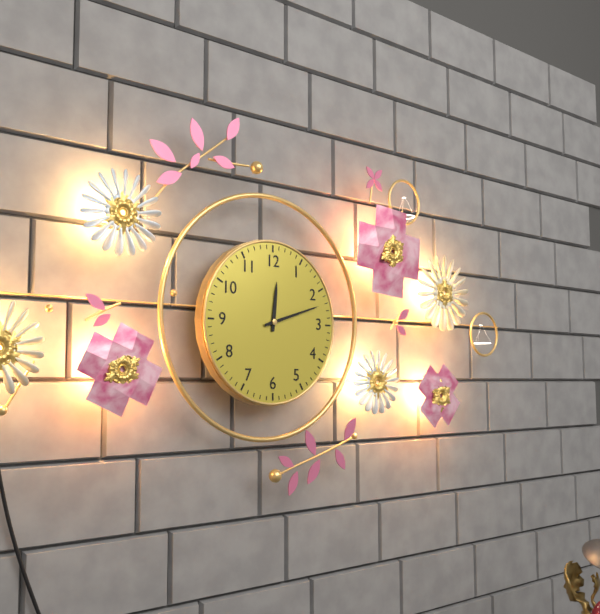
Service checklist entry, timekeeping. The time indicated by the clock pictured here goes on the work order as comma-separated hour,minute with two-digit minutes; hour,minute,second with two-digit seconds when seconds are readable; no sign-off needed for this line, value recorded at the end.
12,12
